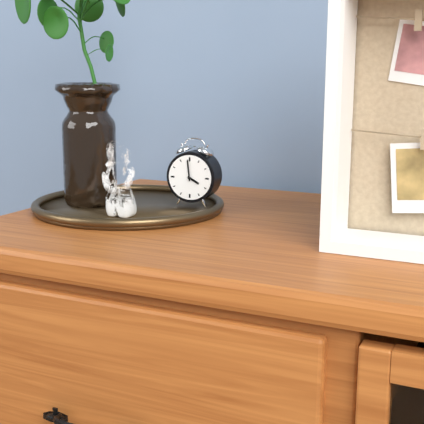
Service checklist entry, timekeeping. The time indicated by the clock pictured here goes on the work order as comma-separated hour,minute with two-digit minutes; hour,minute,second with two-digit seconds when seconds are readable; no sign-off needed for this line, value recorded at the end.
3,59
